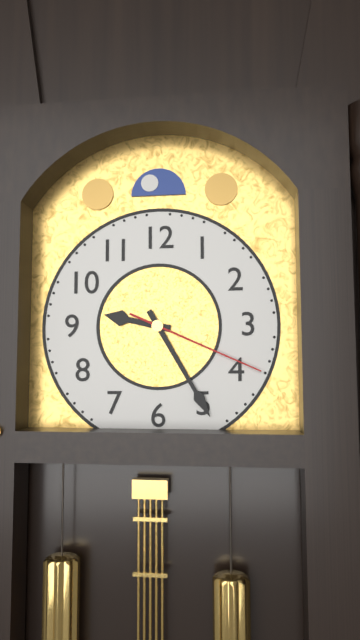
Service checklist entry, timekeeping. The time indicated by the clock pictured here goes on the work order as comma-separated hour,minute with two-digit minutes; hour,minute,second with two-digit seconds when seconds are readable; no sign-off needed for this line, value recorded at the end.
9,25,19
